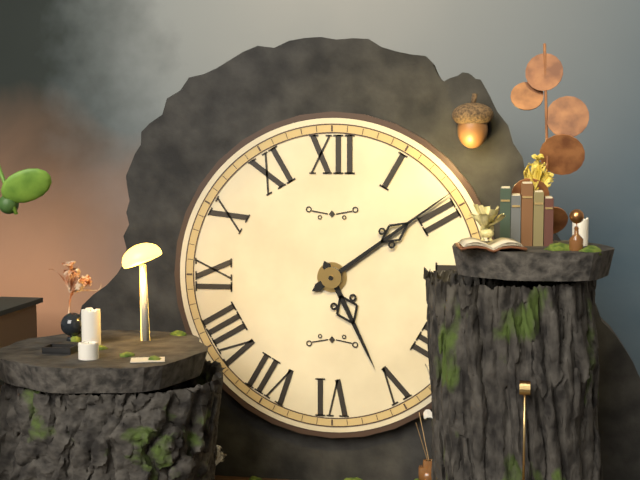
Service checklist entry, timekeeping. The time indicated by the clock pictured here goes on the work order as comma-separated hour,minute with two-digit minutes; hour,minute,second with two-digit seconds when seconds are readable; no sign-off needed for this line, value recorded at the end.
5,09
